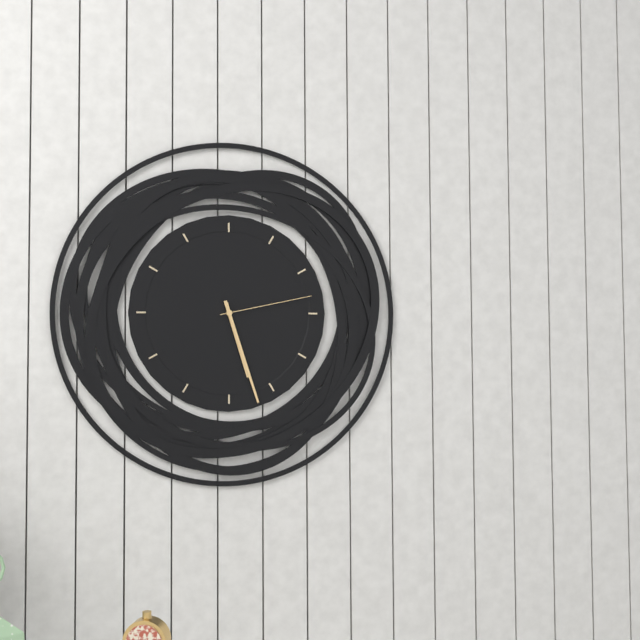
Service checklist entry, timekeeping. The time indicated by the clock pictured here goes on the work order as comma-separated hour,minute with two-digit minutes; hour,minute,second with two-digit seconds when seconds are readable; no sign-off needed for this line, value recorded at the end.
5,27,13
